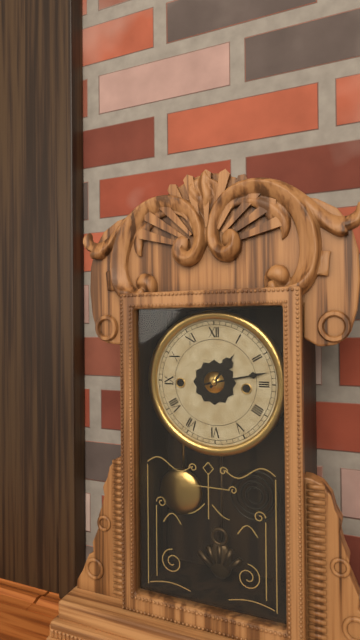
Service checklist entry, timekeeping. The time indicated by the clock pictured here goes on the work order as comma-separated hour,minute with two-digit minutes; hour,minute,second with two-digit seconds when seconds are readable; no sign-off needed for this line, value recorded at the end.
1,13
